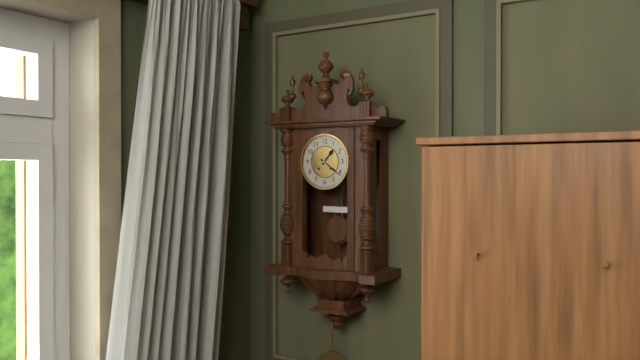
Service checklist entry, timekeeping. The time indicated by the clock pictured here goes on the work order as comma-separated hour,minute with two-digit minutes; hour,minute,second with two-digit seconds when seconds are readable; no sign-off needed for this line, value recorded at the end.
1,21
